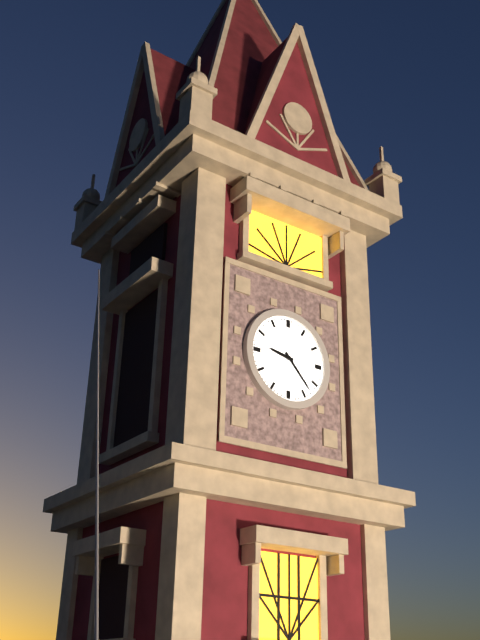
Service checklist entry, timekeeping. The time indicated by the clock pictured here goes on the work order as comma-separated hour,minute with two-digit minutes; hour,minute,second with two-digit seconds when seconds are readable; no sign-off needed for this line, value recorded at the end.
9,23
